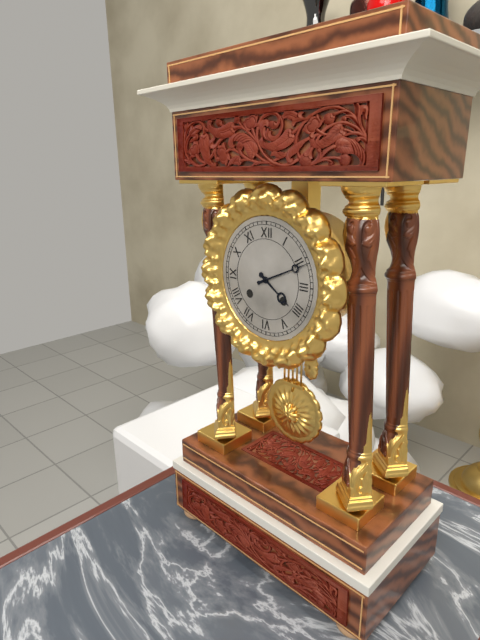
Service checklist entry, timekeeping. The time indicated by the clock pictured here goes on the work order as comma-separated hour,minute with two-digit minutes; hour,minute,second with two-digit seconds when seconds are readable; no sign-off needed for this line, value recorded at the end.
4,11
